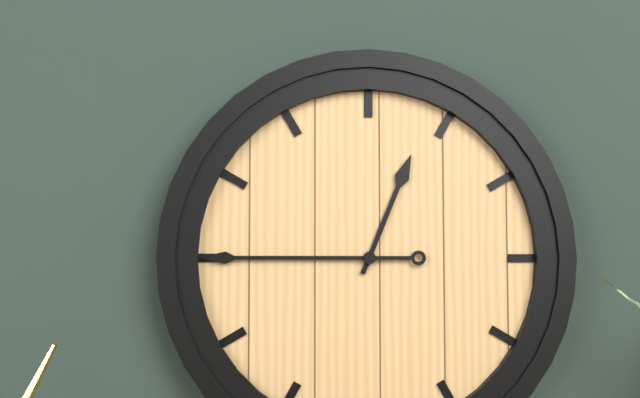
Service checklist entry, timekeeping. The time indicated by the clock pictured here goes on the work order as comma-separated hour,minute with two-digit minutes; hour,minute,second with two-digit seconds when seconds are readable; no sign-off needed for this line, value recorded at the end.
12,45
